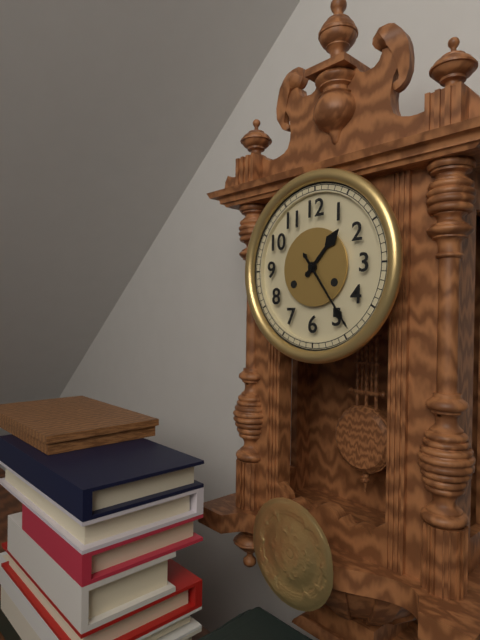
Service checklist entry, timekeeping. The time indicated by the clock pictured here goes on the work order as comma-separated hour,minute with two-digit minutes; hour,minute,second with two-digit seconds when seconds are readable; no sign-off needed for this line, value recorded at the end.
1,24
